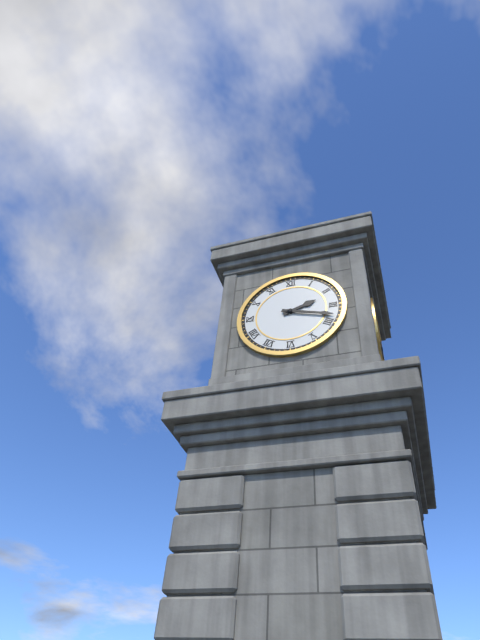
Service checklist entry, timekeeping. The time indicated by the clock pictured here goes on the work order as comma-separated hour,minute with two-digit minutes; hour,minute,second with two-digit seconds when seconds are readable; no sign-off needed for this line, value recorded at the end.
2,18
